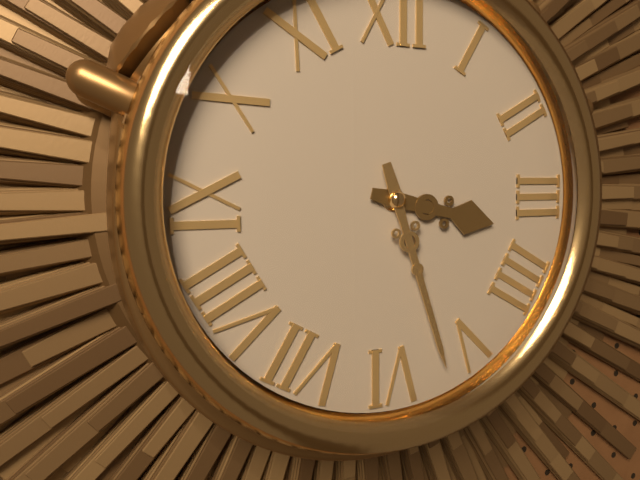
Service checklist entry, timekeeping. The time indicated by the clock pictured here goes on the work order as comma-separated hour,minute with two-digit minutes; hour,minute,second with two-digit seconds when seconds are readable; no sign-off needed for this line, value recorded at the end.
3,27
